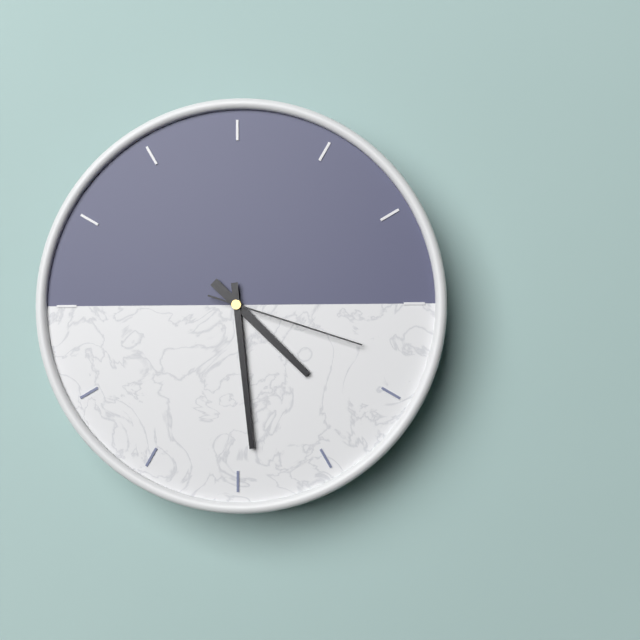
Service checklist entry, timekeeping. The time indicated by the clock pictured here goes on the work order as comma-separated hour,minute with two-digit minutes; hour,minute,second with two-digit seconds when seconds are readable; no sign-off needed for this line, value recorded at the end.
4,29,18
